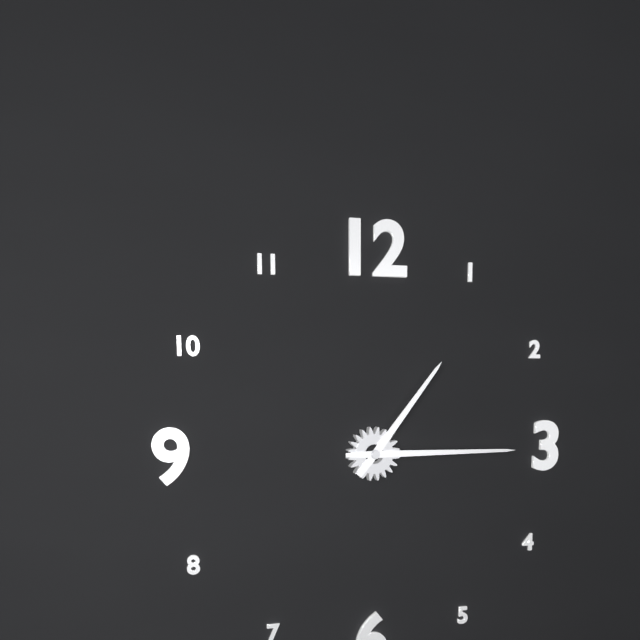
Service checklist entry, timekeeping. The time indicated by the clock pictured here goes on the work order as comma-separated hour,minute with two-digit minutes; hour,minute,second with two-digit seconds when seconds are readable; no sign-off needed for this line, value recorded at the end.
1,15
